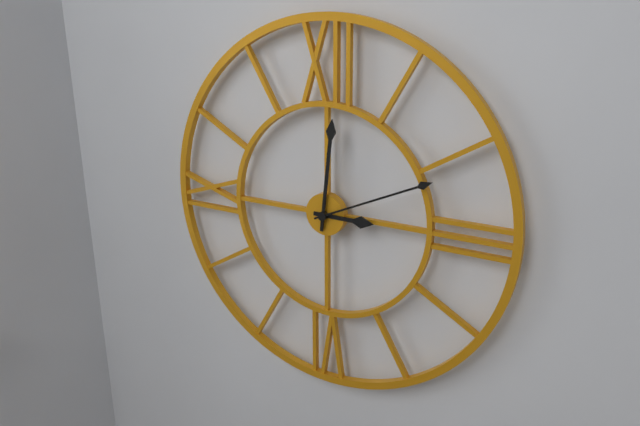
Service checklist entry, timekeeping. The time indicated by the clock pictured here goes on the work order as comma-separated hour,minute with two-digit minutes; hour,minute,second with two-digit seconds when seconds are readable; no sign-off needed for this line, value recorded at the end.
3,01,11
